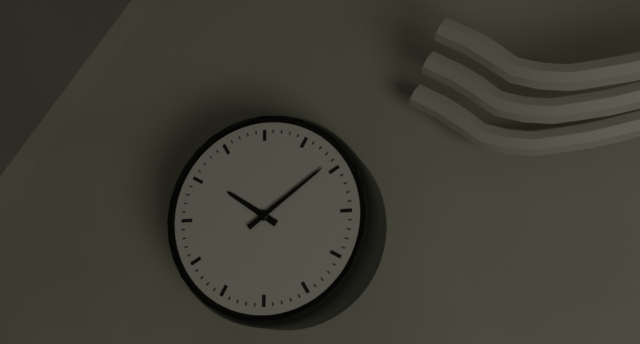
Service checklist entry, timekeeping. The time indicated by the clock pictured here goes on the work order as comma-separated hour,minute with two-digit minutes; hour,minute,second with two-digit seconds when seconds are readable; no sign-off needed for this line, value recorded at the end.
10,09
